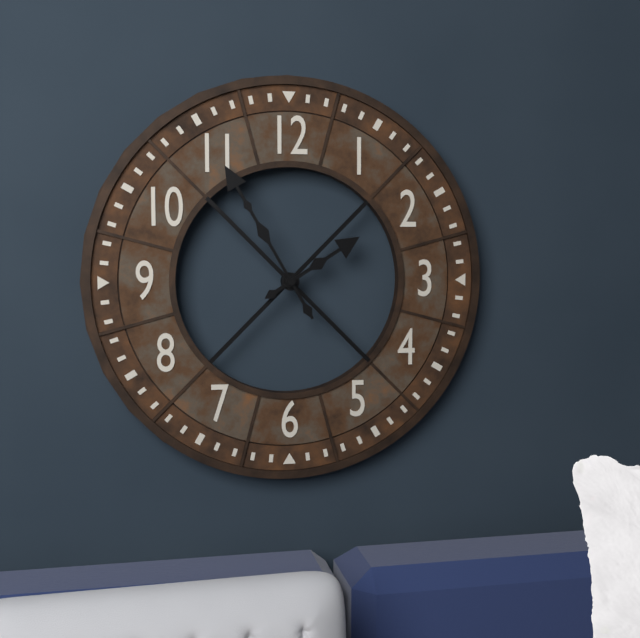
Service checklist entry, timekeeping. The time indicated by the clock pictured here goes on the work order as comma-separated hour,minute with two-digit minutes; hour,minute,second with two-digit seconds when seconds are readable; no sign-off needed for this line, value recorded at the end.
1,55
